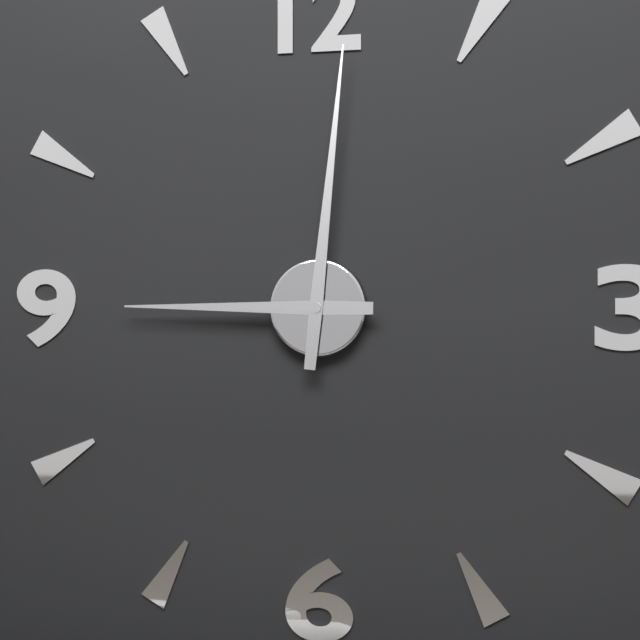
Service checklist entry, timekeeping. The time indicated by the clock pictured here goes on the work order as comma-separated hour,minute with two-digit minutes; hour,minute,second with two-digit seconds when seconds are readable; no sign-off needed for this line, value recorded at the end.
9,01
